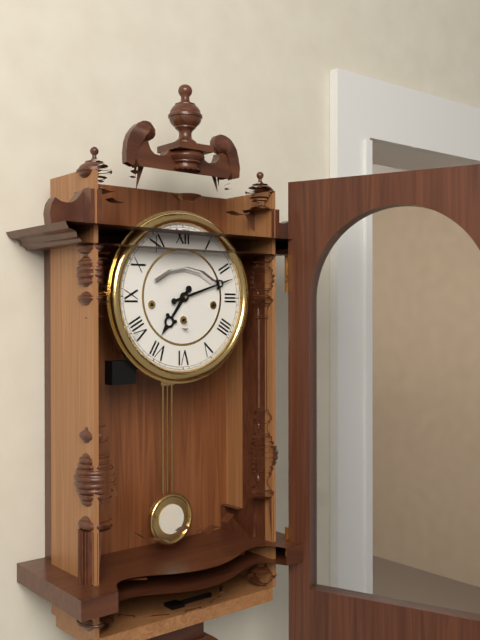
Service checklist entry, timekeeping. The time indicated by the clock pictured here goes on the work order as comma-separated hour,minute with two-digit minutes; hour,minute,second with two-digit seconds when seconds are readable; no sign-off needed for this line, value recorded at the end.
7,12
